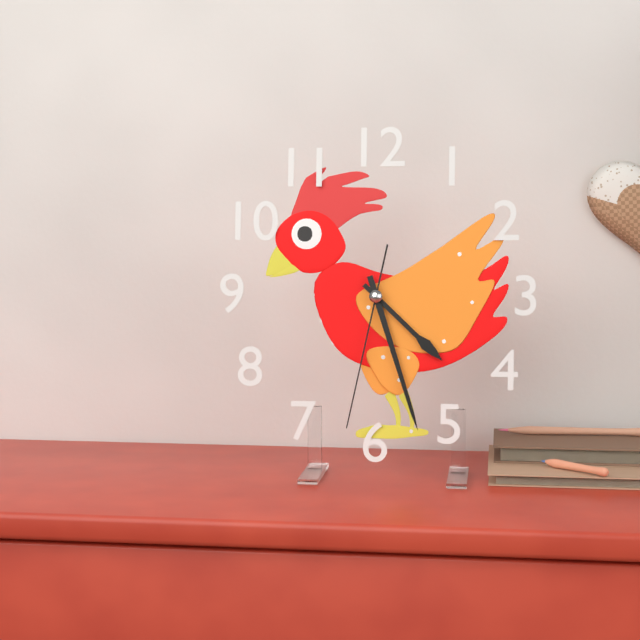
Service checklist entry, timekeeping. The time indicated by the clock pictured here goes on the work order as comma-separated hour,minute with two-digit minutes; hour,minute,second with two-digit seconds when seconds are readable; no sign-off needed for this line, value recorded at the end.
4,27,32
